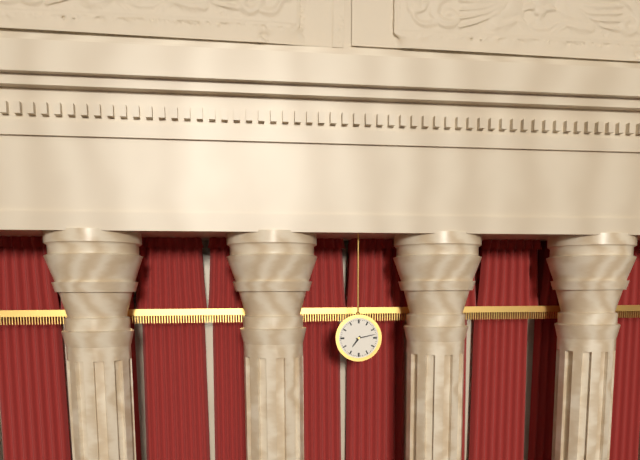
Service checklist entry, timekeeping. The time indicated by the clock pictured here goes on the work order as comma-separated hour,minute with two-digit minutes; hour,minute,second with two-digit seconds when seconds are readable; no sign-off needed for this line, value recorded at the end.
7,13
